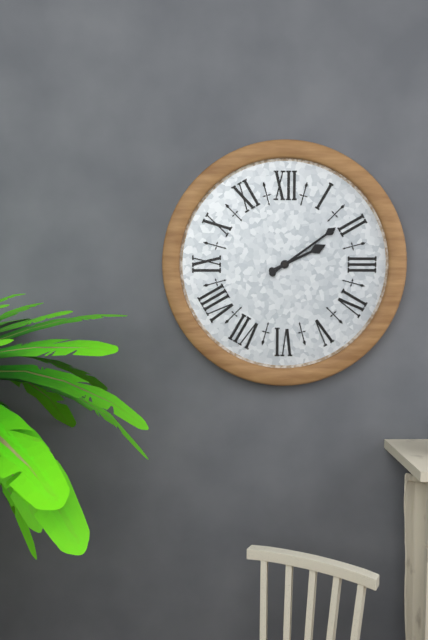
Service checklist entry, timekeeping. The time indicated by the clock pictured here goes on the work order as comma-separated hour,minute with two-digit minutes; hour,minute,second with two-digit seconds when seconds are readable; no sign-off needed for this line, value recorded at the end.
2,09
